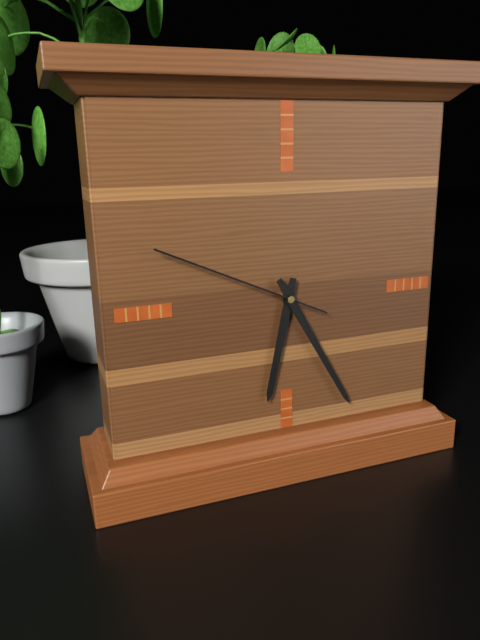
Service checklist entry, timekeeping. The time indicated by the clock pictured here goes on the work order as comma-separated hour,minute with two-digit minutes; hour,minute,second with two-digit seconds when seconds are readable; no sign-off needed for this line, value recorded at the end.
6,25,49
